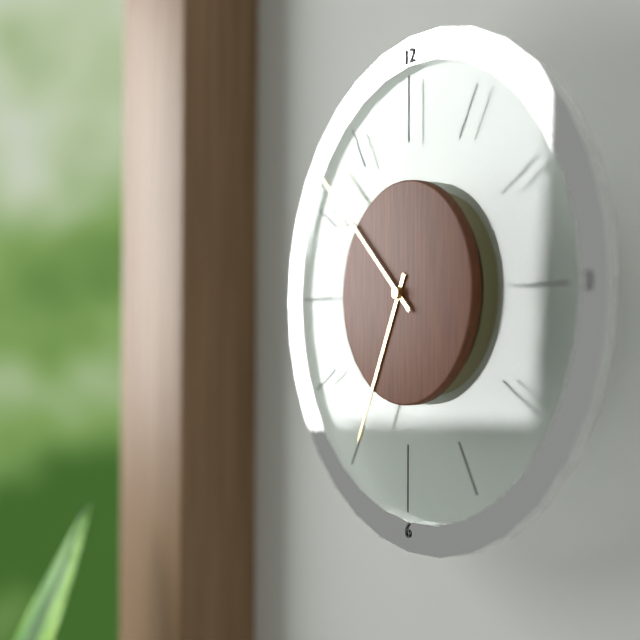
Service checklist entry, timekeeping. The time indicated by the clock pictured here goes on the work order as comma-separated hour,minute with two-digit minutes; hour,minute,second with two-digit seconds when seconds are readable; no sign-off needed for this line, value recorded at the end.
6,52
